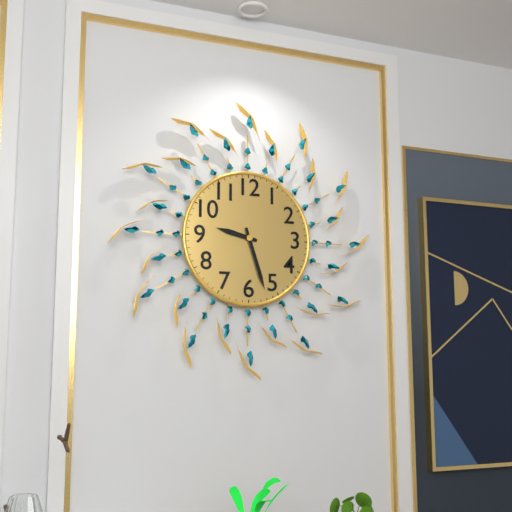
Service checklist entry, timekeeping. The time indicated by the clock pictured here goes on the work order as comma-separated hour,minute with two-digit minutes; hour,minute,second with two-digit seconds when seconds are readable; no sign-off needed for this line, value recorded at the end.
9,27
